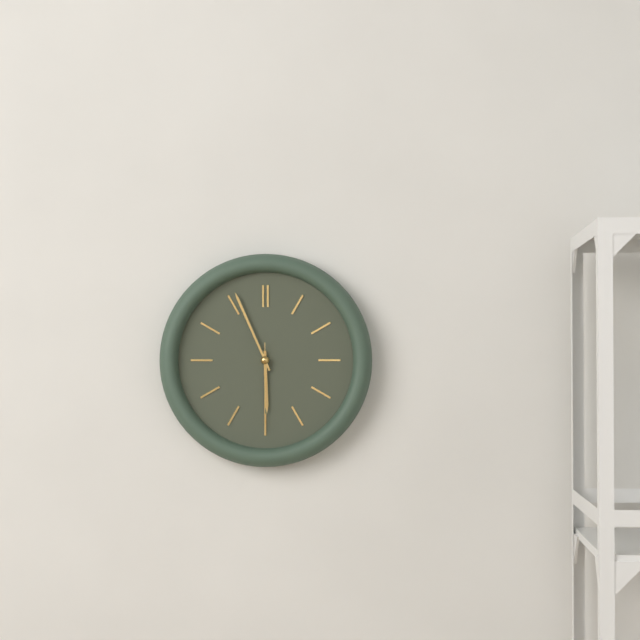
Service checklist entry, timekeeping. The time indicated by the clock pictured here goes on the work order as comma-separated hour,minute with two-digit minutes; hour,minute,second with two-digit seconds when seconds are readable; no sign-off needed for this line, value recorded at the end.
5,56,30
